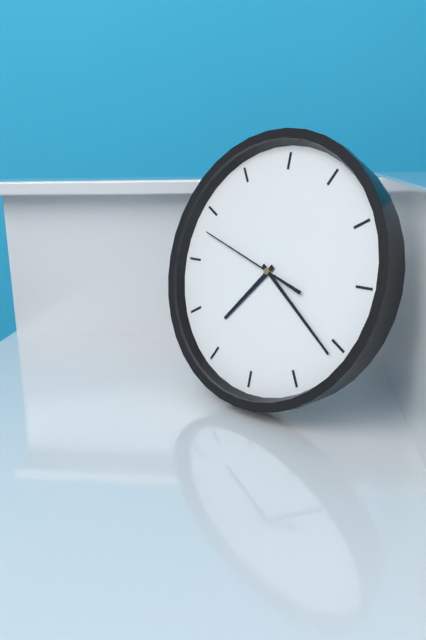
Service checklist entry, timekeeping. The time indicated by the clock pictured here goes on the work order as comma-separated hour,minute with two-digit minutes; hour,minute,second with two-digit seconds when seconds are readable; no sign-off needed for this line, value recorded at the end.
7,21,48
